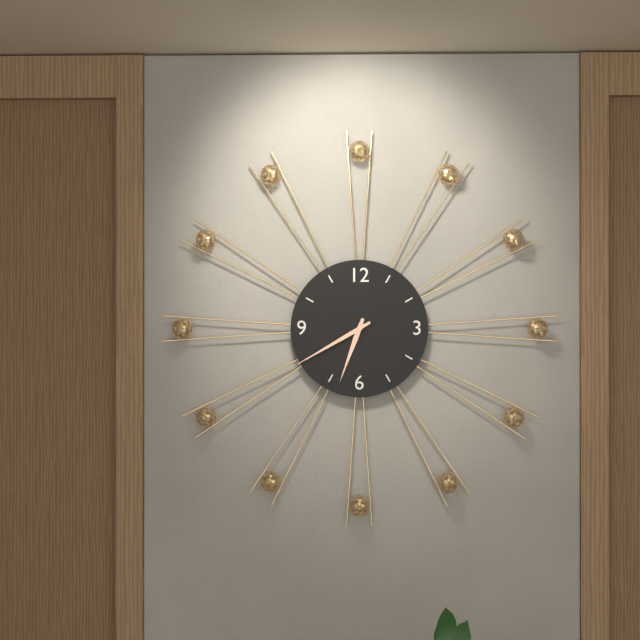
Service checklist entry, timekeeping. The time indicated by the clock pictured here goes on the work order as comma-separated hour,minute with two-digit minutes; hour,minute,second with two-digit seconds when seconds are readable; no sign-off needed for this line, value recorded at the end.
6,40
